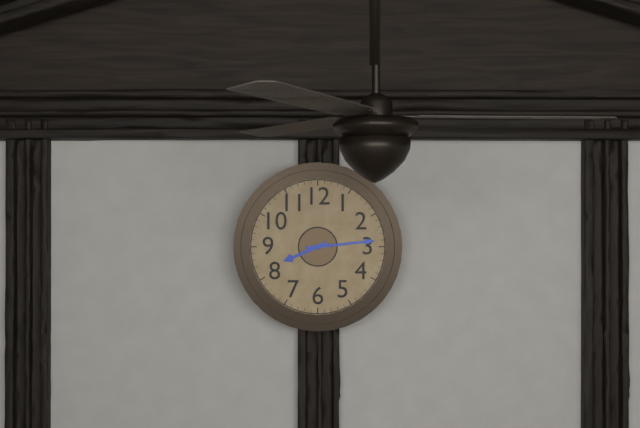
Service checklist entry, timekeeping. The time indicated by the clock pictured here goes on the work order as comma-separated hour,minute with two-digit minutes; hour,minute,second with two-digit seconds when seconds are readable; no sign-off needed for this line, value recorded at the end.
8,14
